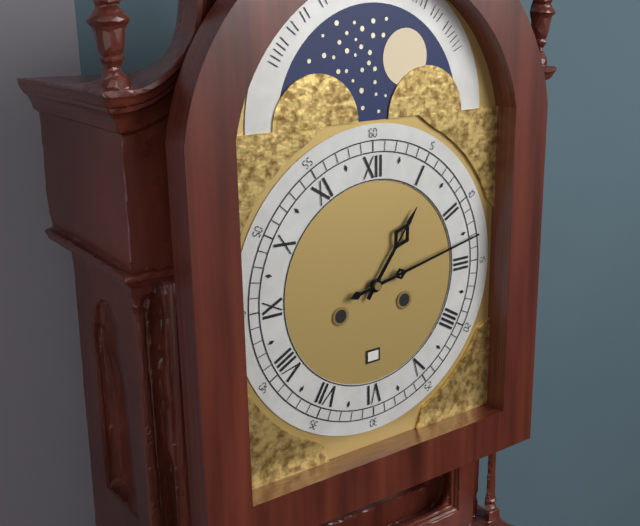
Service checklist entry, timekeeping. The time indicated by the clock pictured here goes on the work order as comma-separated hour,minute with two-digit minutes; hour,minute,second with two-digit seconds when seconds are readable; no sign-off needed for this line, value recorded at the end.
1,13
